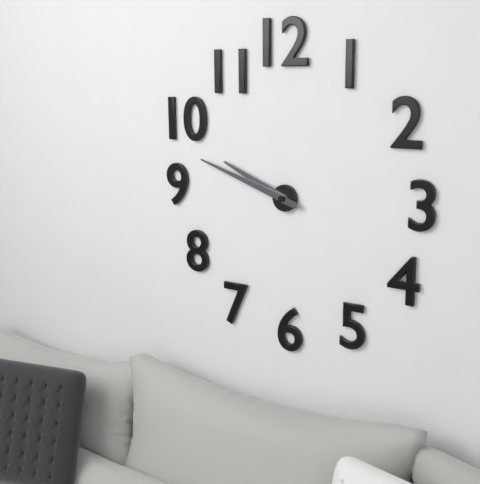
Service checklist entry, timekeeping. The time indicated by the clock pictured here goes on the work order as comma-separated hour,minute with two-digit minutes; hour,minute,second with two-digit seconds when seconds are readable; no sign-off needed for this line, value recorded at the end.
9,48
